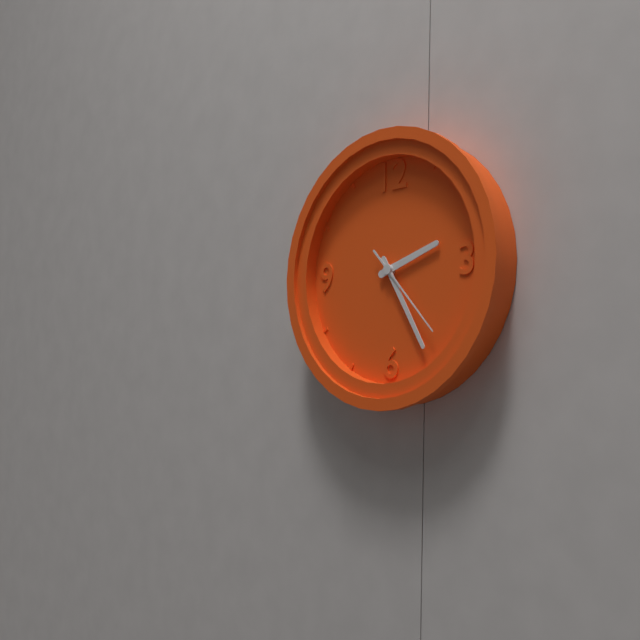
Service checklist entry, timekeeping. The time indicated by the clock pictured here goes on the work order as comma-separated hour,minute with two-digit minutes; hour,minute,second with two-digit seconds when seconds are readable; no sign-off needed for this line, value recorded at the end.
2,25,23
